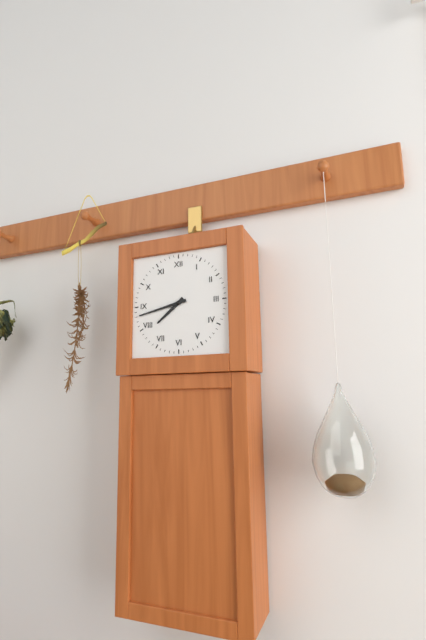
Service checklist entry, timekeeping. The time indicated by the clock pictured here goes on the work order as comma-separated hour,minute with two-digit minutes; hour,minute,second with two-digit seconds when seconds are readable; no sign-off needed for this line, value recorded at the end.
7,43
